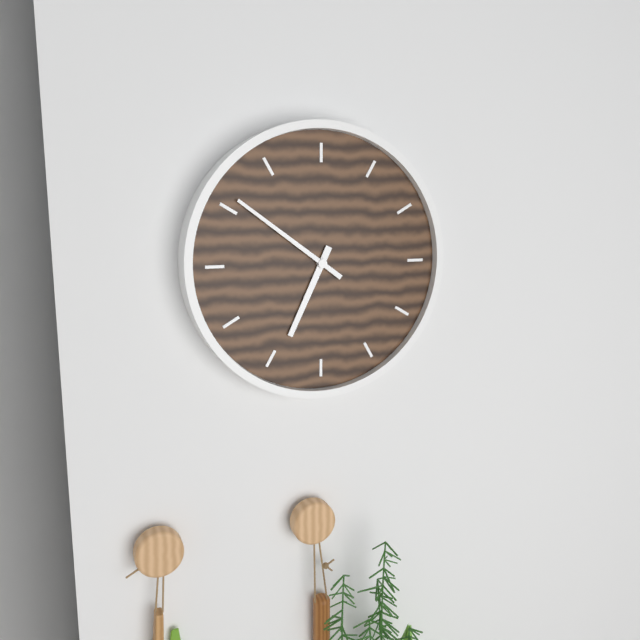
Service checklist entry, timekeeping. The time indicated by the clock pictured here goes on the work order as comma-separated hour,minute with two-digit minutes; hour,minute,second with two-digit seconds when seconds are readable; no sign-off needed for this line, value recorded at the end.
6,51
